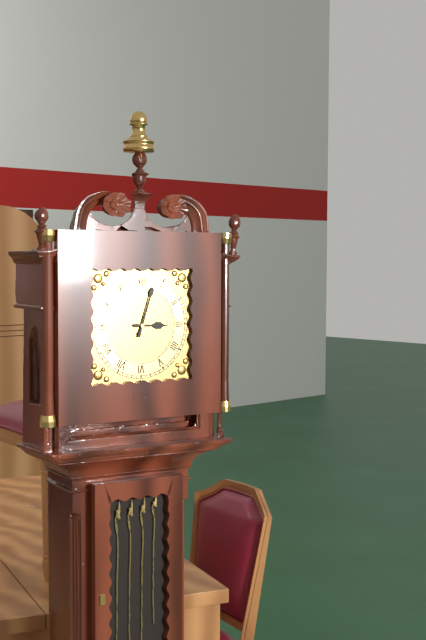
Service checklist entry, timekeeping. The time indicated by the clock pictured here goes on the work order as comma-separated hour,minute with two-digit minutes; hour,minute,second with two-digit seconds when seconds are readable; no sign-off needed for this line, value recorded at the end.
3,03
